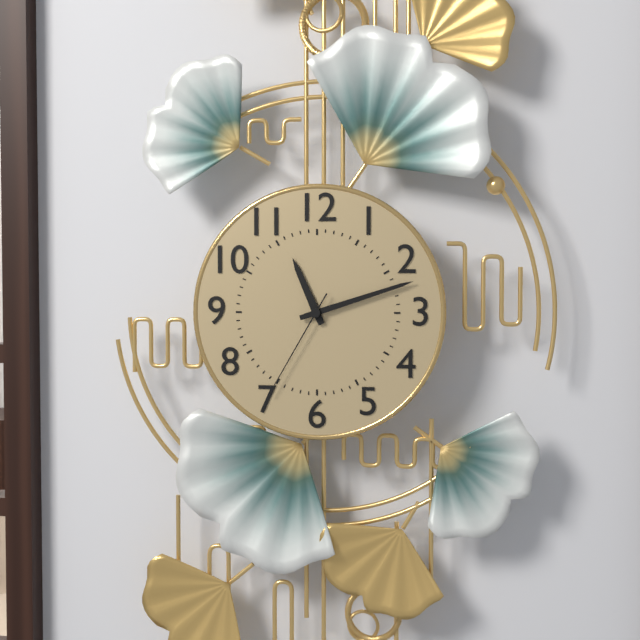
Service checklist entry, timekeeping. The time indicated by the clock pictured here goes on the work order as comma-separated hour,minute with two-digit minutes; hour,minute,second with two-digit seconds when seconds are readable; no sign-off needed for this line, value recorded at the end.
11,12,35
